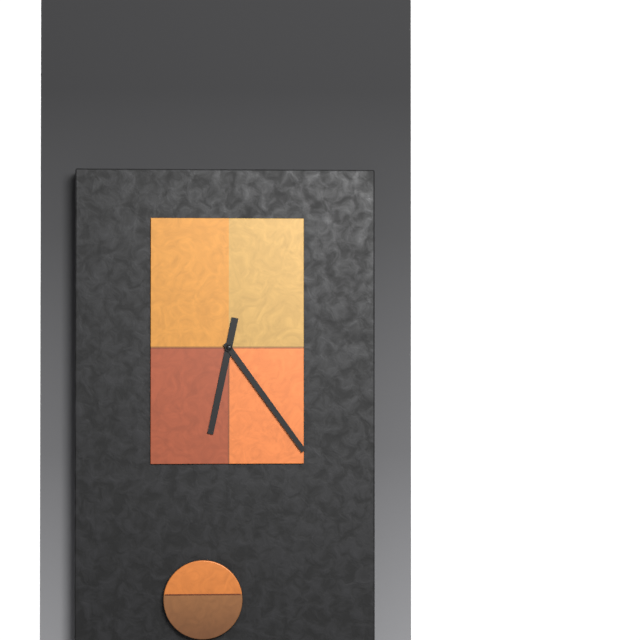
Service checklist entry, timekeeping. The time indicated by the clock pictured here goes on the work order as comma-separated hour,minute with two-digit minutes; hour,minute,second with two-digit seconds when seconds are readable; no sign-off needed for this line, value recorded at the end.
6,24
